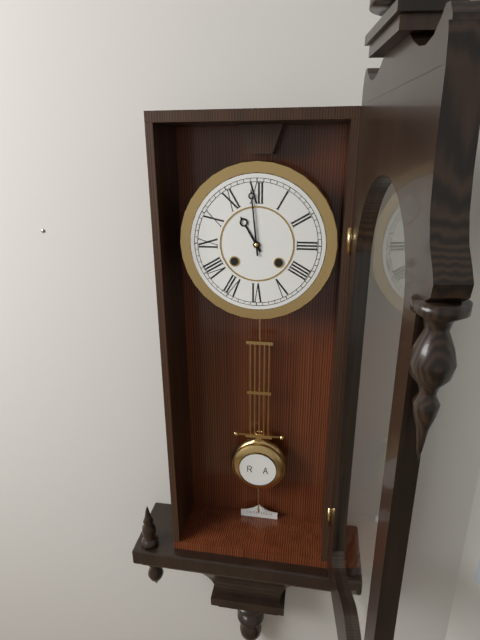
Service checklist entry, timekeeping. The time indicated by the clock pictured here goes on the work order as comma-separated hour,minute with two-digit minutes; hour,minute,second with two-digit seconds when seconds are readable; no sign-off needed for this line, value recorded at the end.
10,59
